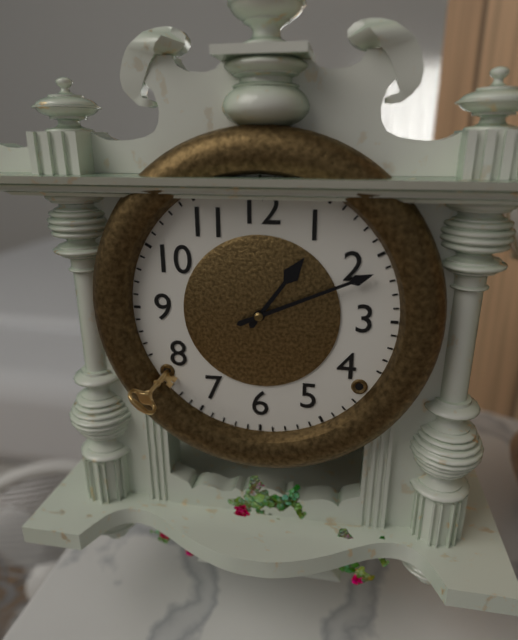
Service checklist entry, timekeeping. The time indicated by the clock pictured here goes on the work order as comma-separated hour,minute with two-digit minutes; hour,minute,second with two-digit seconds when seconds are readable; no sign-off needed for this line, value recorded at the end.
1,11
